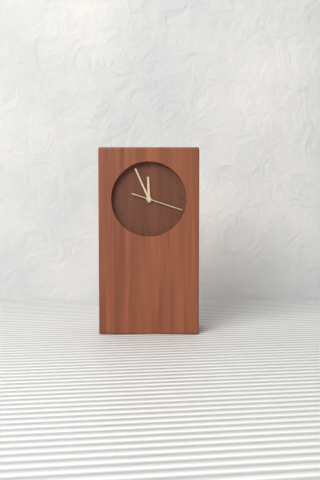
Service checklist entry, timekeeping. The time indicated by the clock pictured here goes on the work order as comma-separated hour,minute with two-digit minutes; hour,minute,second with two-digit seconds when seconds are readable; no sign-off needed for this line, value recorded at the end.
11,56
